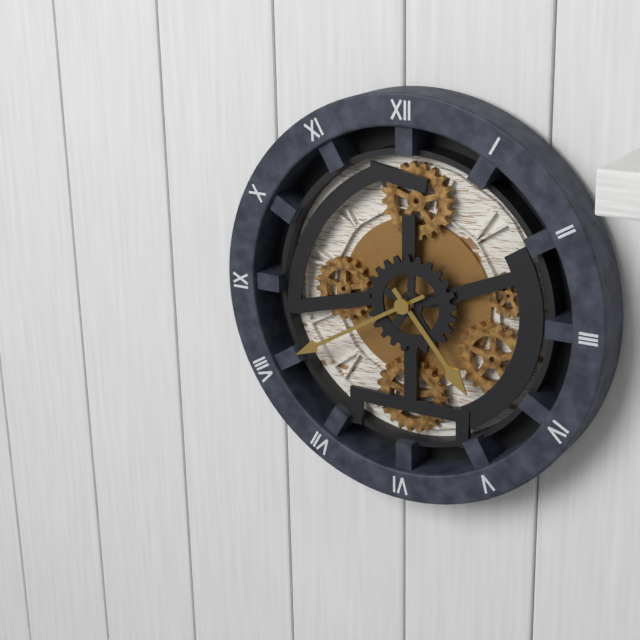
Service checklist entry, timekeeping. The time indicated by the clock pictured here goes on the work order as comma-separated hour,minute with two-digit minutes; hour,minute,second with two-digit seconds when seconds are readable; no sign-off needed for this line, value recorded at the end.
4,40
